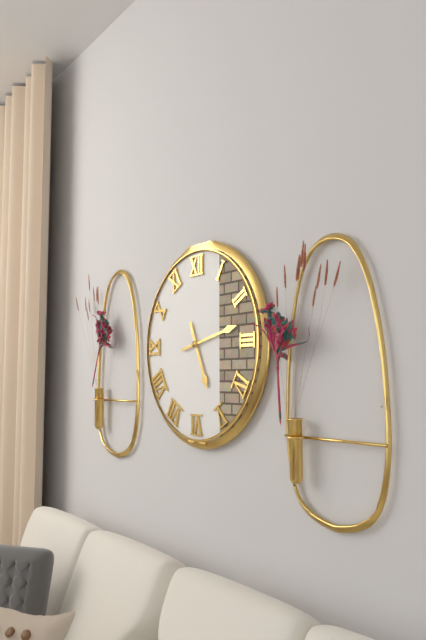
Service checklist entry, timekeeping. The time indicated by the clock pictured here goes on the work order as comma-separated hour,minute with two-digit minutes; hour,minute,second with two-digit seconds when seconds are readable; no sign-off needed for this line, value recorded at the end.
5,13
